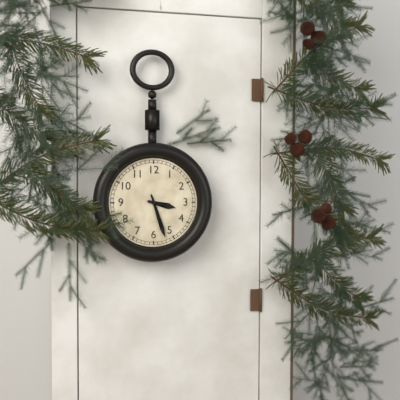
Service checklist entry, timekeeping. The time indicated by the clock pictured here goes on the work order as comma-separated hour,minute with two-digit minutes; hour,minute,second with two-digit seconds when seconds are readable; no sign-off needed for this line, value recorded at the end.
3,27
